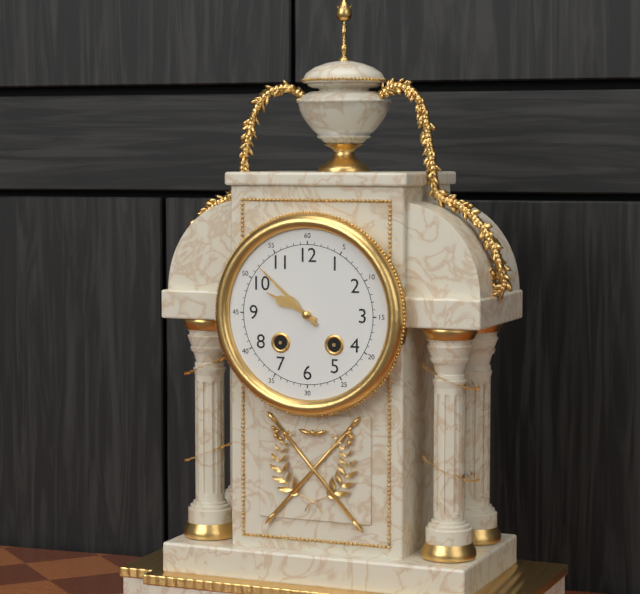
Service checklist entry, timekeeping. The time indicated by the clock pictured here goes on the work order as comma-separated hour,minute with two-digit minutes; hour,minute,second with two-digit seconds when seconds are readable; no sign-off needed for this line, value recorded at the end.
9,52
